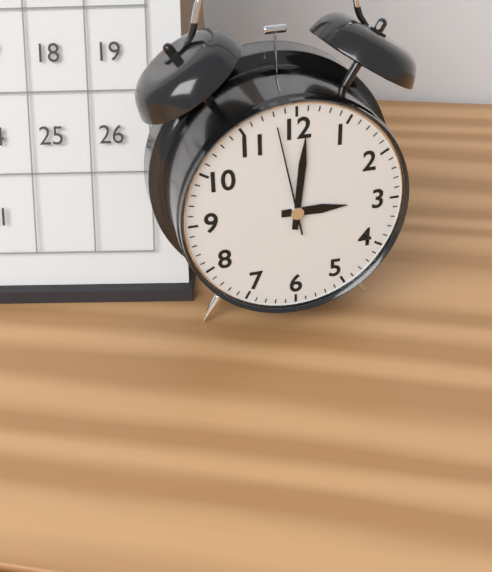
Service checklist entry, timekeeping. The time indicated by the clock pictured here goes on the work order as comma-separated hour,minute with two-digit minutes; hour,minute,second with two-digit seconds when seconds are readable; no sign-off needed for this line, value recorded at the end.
3,01,58
